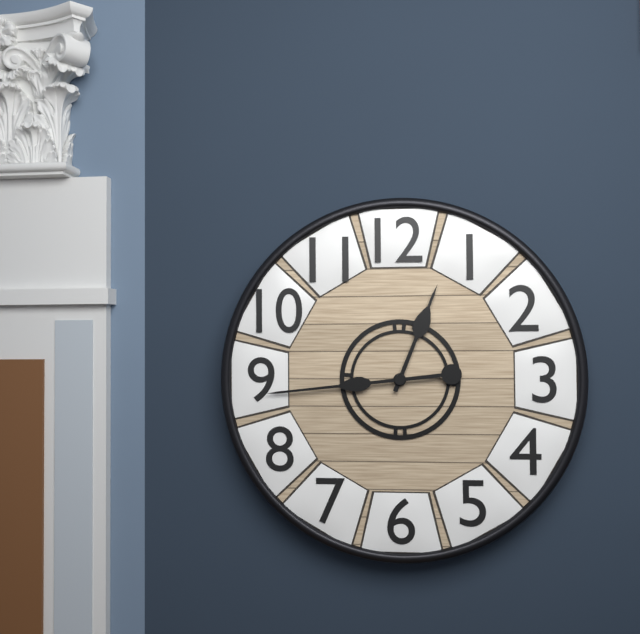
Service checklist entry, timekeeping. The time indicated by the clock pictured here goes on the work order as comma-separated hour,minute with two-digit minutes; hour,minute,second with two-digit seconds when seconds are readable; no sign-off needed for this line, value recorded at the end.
12,44
